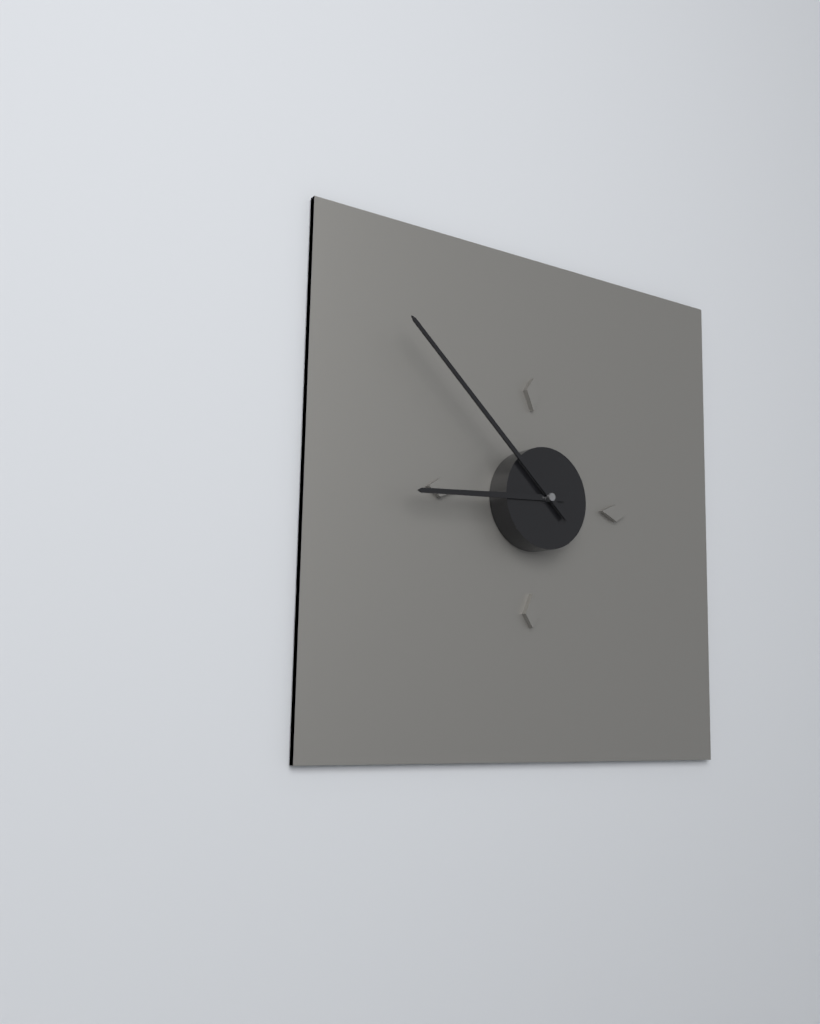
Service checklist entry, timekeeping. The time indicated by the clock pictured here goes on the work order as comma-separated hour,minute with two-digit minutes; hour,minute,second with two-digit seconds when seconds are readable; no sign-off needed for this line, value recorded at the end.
8,52
